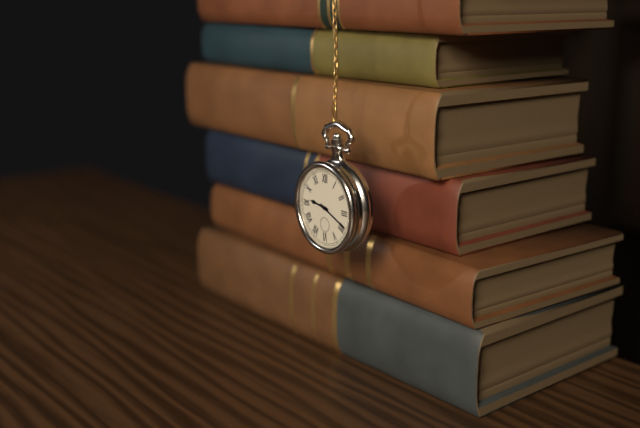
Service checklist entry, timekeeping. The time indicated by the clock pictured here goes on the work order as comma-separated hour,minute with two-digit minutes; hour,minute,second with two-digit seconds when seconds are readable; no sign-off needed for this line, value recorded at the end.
9,19
